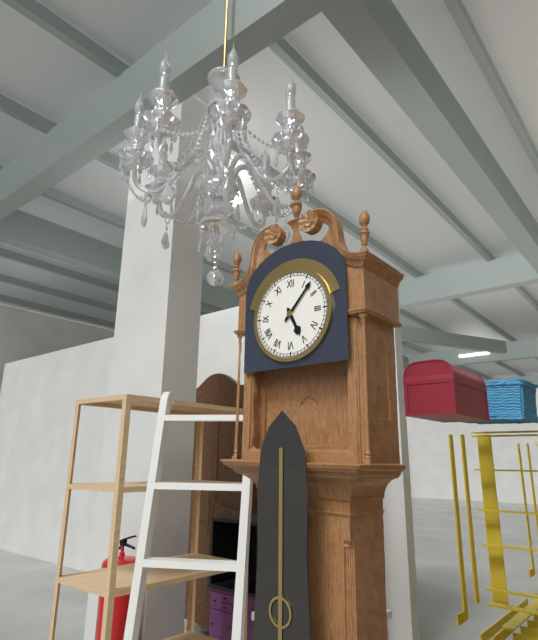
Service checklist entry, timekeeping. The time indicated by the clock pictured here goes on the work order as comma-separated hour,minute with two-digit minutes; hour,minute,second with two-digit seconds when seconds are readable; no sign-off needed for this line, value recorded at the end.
5,07
